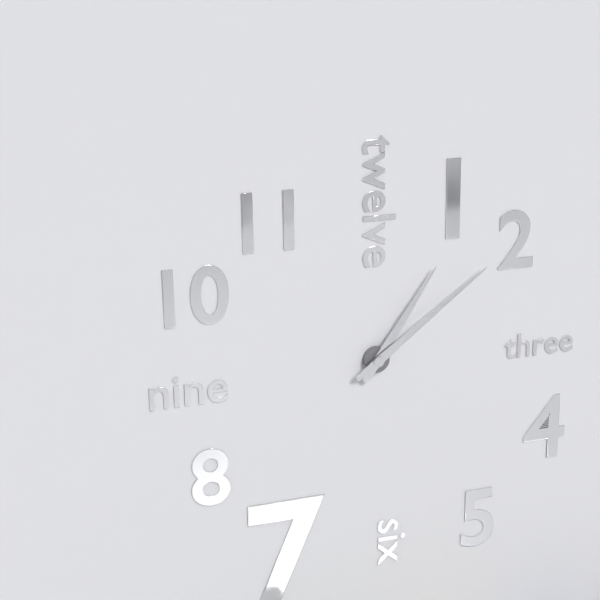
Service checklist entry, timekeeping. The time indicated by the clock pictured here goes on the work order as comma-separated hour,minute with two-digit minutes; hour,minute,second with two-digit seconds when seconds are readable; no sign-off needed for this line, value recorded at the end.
1,09
